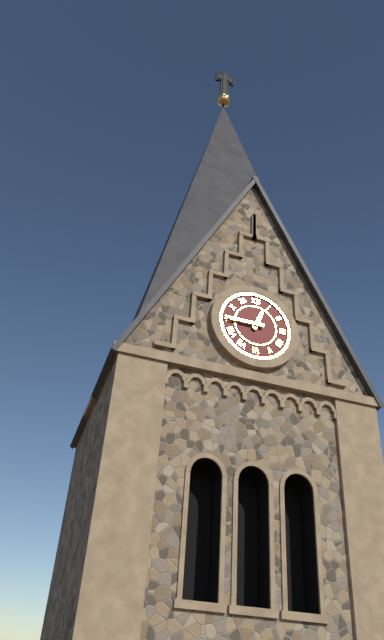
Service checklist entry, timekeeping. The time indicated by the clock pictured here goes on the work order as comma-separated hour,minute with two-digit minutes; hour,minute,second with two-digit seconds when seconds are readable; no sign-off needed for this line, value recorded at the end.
12,45
